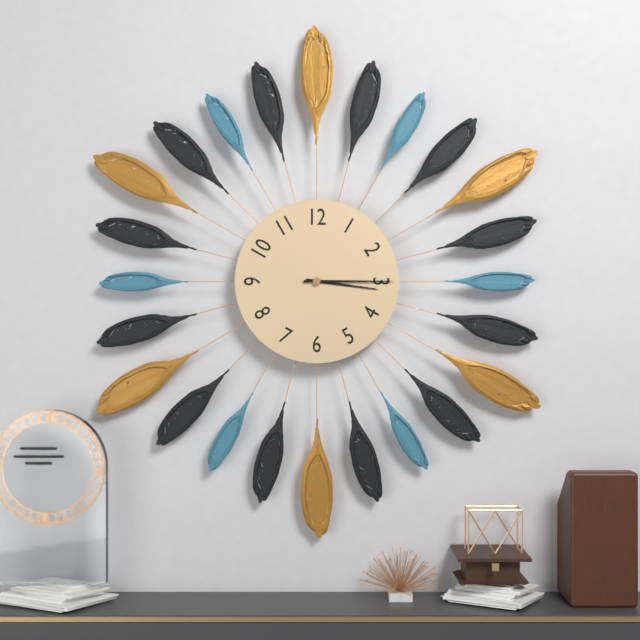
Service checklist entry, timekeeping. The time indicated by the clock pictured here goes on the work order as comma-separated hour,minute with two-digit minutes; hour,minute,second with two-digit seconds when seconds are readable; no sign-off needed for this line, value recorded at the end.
3,15
